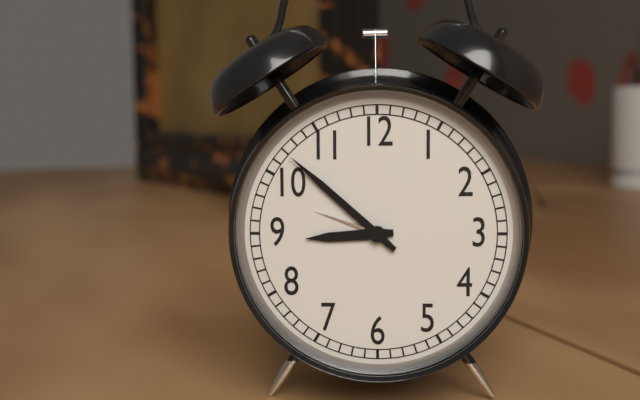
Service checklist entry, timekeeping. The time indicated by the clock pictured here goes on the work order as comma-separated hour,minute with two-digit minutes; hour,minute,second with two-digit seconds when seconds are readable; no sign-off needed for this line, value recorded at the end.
8,52
